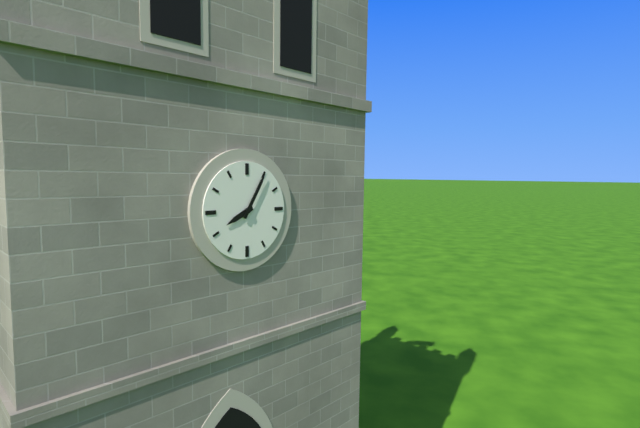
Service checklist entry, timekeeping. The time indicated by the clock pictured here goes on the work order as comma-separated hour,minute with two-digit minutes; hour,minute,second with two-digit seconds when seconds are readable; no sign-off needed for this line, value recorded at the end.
8,05
